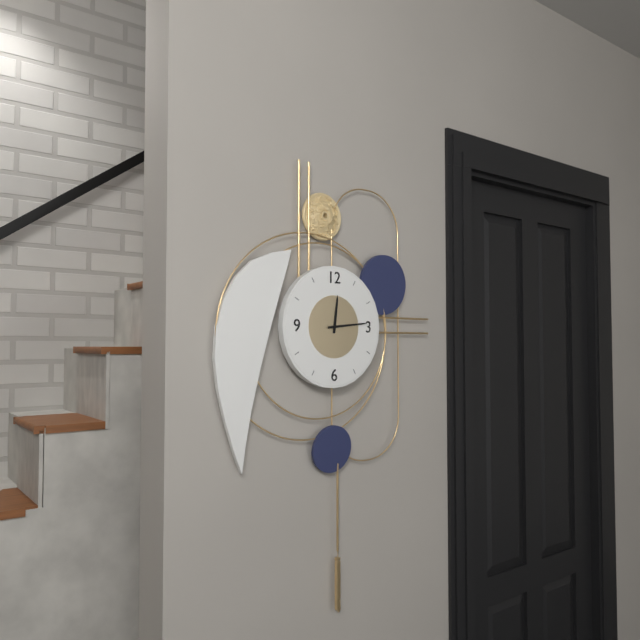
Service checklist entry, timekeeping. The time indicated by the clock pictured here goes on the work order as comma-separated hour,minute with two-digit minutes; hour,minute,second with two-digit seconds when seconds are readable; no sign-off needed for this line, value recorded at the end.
12,14
